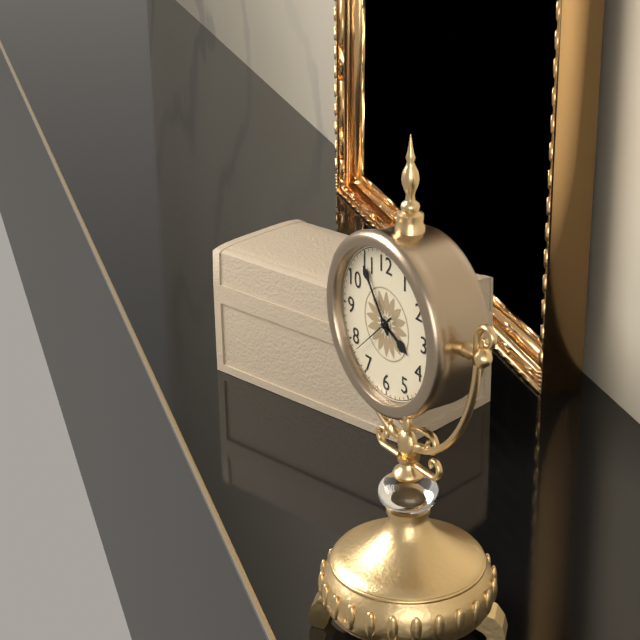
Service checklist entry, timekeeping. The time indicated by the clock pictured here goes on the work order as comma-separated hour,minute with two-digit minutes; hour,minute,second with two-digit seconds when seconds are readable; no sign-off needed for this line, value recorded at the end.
3,54
